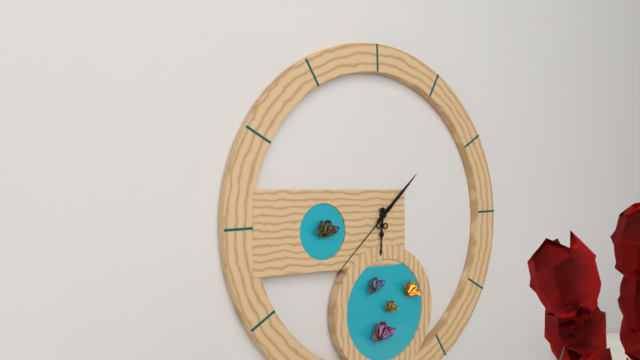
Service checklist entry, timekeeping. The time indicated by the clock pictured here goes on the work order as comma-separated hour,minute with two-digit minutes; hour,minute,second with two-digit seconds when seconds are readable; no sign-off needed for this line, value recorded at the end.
6,08,38
